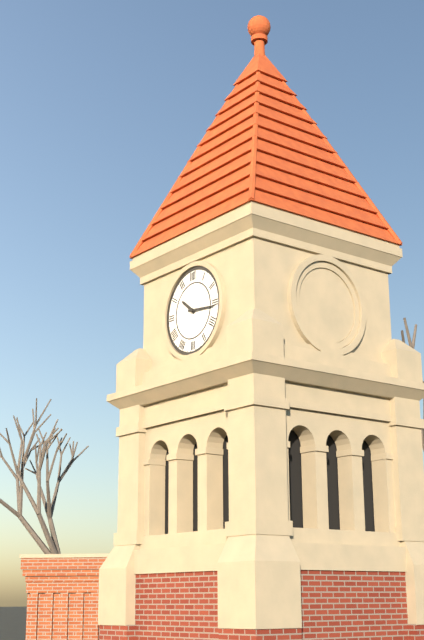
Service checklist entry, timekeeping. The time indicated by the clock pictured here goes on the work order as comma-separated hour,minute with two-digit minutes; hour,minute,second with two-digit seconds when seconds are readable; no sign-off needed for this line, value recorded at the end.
10,16
